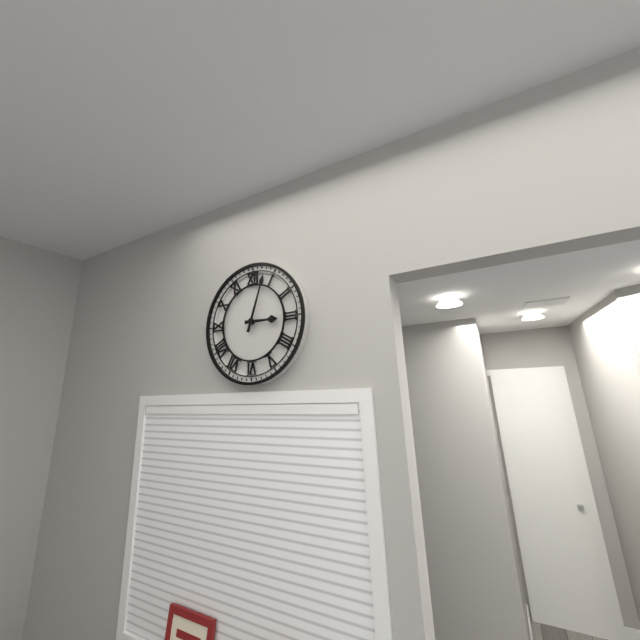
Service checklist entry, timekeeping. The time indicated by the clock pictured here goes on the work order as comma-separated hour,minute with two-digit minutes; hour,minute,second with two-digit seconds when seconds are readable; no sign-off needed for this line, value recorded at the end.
3,03
